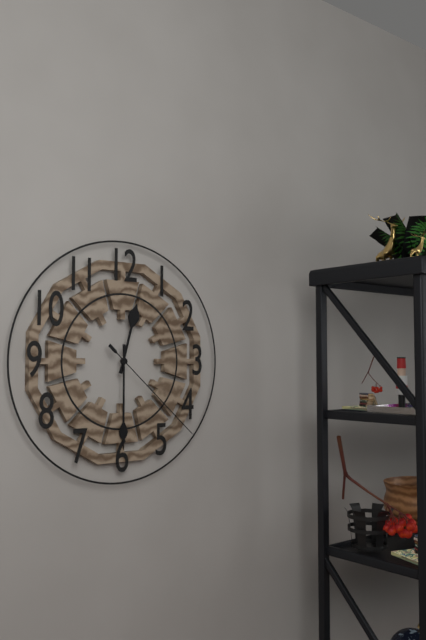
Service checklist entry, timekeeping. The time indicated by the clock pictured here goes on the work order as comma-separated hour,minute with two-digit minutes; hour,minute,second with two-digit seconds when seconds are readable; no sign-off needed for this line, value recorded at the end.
12,30,22
